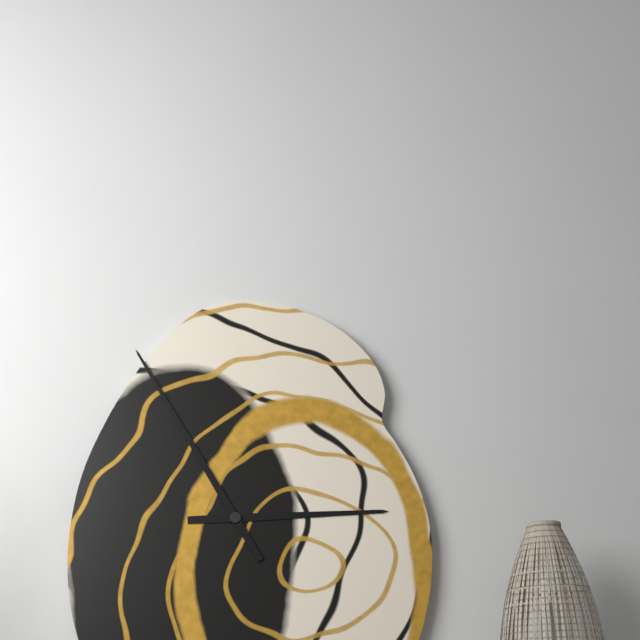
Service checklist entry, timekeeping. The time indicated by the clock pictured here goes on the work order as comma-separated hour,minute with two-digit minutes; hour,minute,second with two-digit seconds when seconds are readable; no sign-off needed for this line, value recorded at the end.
2,55
